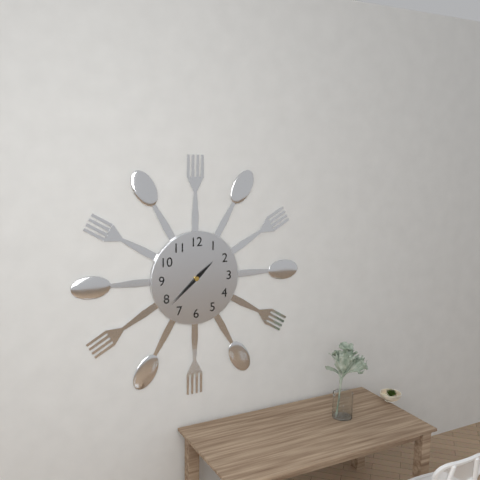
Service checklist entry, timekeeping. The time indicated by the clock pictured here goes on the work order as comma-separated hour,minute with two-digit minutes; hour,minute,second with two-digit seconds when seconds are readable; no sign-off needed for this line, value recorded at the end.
1,38
